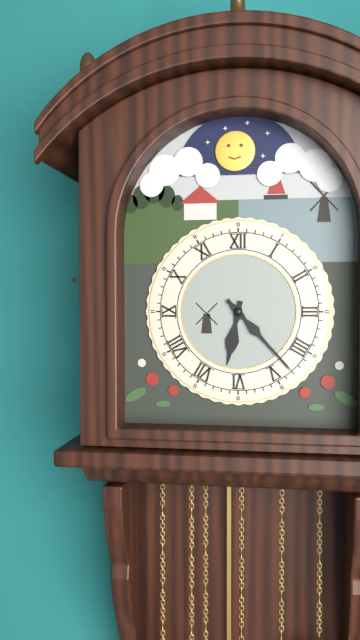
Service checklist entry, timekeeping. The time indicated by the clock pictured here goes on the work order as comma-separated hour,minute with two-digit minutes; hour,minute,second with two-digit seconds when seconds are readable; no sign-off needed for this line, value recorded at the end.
6,23
